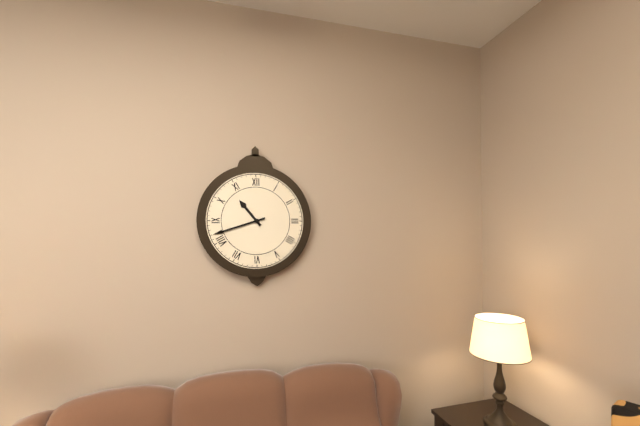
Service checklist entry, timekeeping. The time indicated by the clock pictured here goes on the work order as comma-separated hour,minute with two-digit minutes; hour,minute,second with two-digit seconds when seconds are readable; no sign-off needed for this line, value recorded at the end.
10,42
